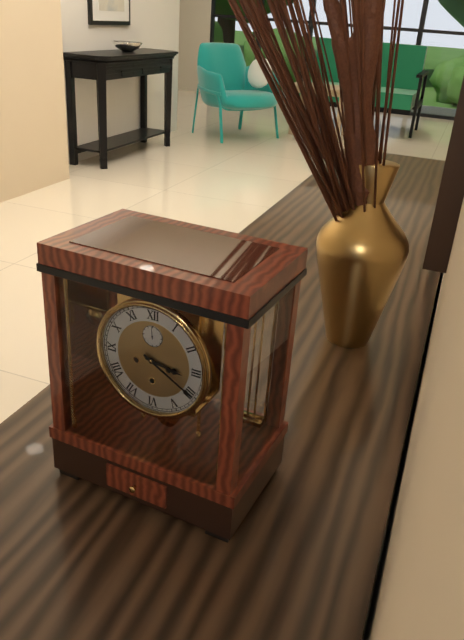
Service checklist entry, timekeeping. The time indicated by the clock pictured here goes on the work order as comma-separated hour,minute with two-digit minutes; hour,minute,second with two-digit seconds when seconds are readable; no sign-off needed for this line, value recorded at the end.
3,20
